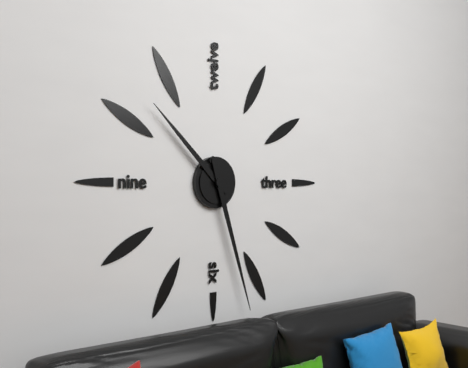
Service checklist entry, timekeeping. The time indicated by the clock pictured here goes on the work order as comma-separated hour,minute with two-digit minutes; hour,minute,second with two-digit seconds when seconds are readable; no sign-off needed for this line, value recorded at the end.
10,27
